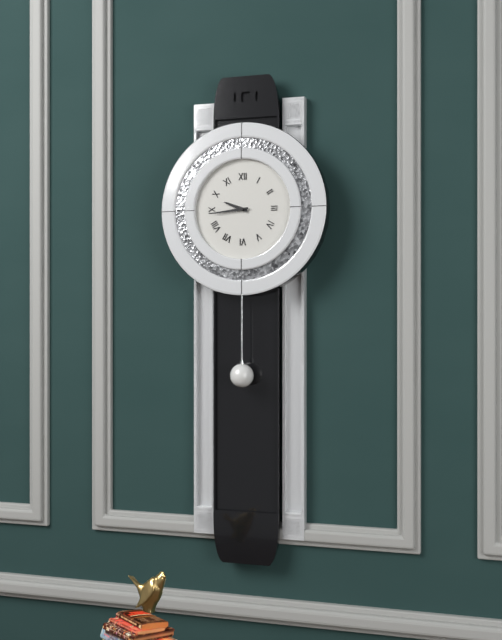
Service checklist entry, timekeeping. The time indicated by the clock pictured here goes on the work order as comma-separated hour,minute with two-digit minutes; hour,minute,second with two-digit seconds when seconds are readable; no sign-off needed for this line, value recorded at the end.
9,44
